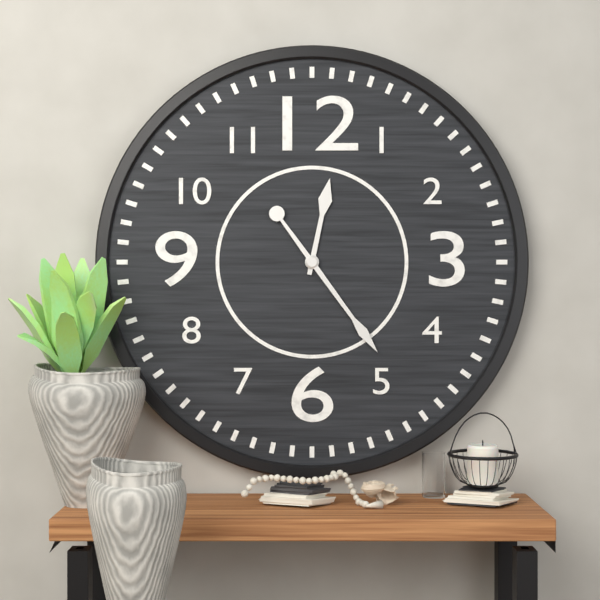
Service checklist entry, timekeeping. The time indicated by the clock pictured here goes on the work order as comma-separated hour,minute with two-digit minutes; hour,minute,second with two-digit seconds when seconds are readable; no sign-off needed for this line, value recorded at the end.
12,24
